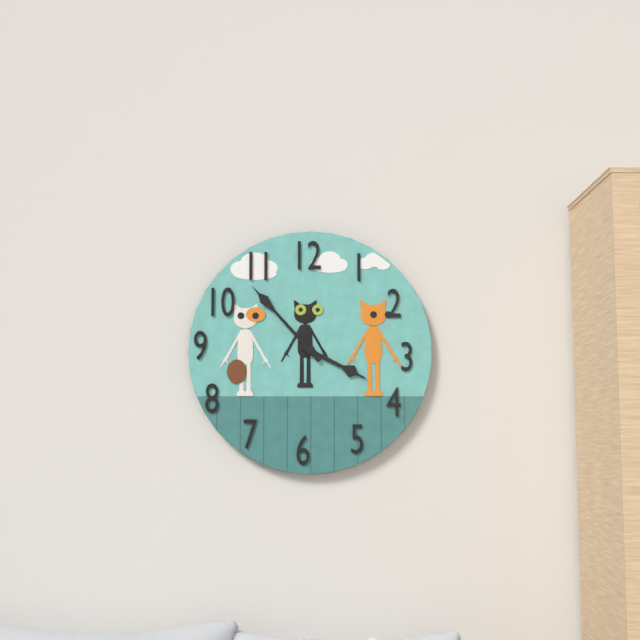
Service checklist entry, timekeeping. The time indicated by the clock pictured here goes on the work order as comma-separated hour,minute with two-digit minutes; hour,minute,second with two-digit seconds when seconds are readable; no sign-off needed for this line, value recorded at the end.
3,53
